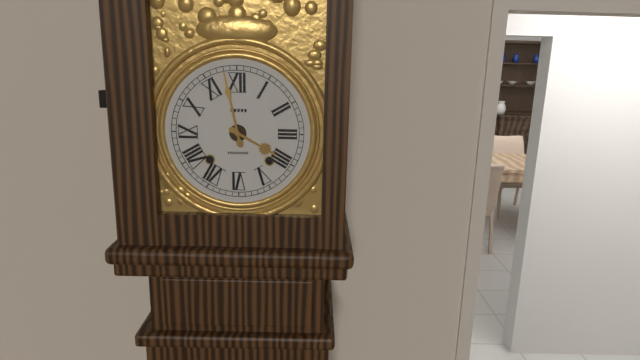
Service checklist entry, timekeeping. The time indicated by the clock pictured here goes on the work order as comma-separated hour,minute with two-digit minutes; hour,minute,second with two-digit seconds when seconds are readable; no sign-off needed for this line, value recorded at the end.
3,58
